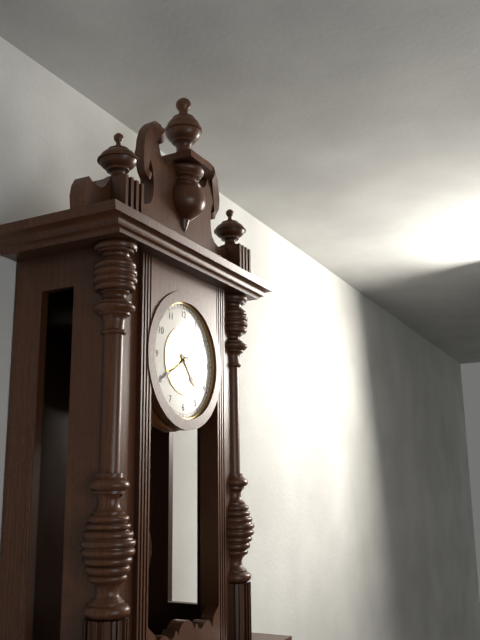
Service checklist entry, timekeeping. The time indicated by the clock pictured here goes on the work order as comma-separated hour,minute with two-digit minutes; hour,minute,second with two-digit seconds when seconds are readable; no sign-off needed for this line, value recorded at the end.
4,40
